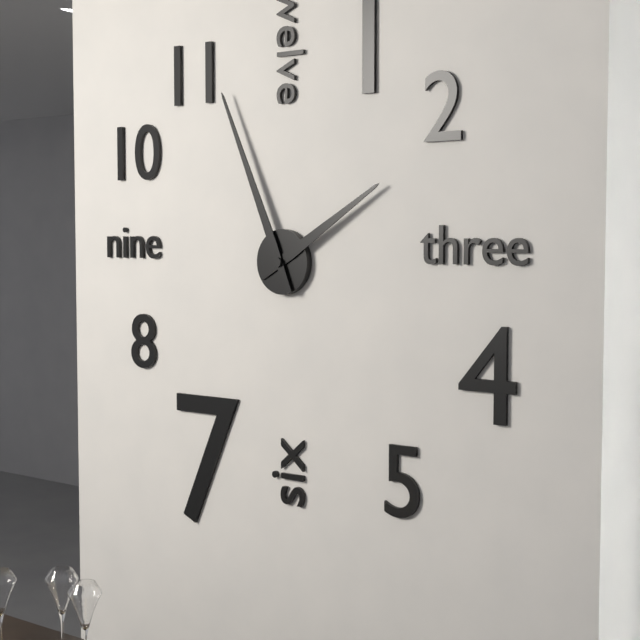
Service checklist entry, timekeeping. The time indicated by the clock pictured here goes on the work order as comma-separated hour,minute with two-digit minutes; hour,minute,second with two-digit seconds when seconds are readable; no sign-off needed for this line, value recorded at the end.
1,56
